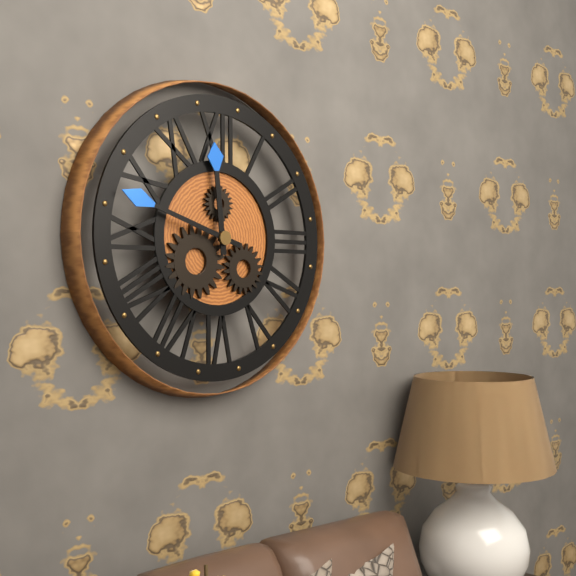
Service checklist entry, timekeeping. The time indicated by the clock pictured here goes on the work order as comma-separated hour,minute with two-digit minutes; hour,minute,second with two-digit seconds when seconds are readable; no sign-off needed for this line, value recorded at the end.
11,48
